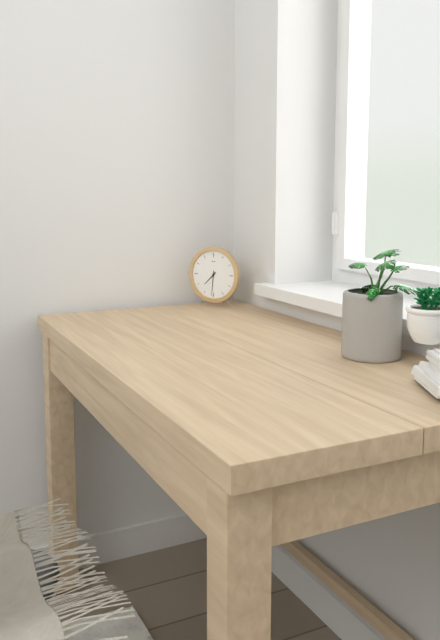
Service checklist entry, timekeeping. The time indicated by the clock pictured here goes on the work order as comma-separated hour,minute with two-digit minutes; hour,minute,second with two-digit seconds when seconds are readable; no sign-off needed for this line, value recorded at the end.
7,31
